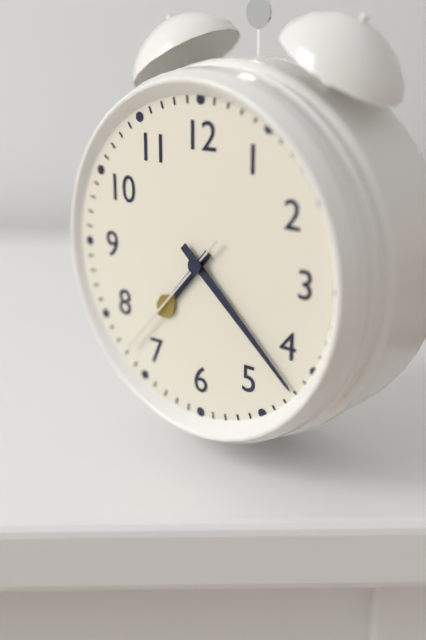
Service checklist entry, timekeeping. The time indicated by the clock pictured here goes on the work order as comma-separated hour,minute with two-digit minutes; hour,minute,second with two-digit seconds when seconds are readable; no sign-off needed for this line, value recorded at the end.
7,22,37
